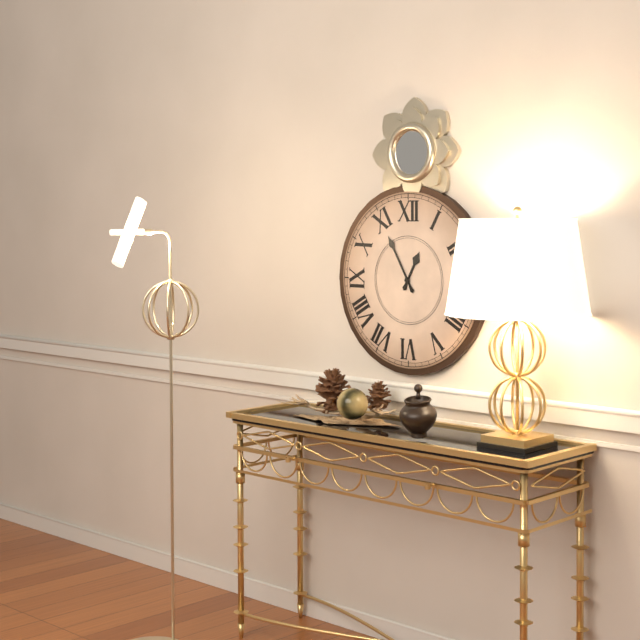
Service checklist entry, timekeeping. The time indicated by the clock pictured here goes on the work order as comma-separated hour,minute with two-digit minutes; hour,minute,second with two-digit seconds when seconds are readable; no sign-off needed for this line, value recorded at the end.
12,55
